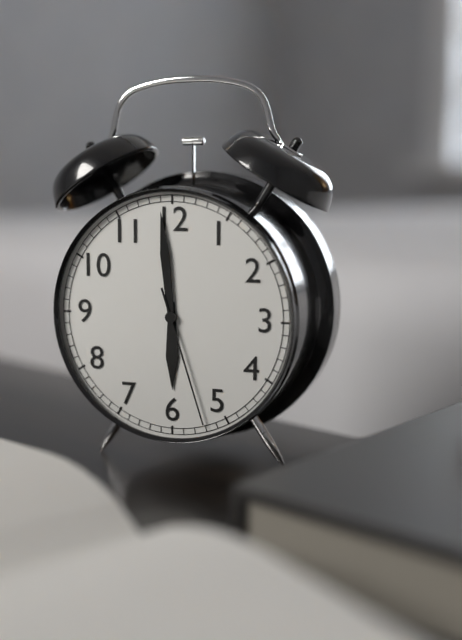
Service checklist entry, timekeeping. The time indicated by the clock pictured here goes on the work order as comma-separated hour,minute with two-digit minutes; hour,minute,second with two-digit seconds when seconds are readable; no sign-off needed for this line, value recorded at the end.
5,59,27
